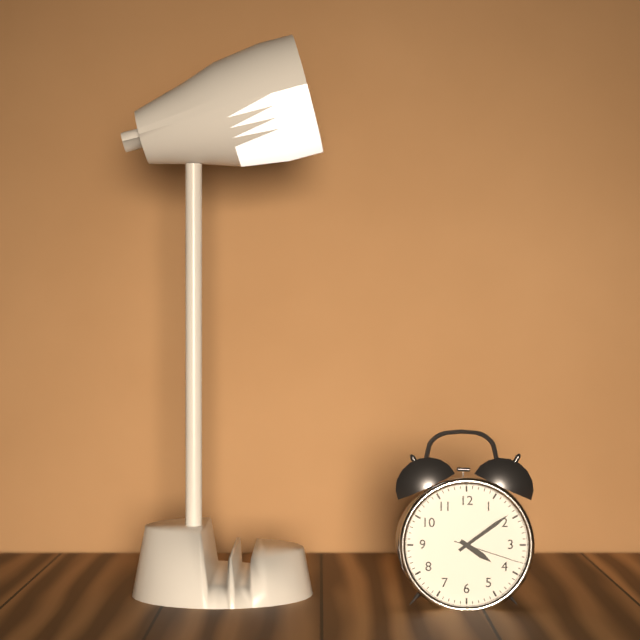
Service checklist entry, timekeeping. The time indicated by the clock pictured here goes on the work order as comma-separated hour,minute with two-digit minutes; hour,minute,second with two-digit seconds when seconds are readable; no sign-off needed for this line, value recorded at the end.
4,09,18
